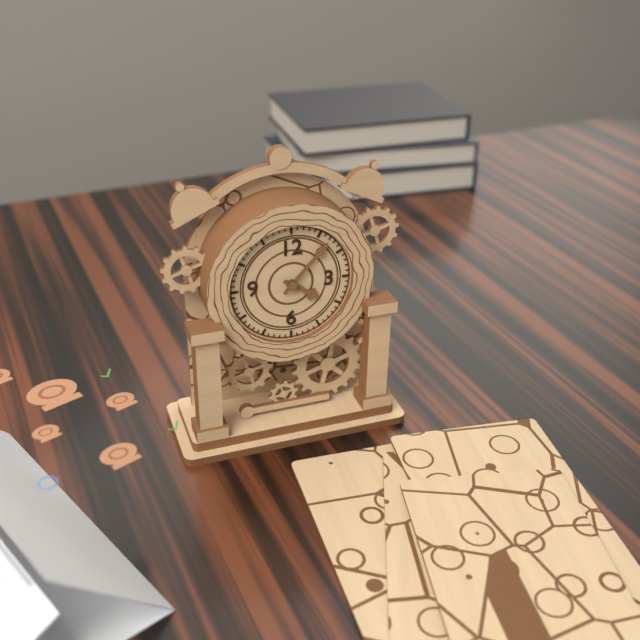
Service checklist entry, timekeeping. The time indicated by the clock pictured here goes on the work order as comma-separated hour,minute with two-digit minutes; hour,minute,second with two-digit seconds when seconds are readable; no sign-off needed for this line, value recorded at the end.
4,07
